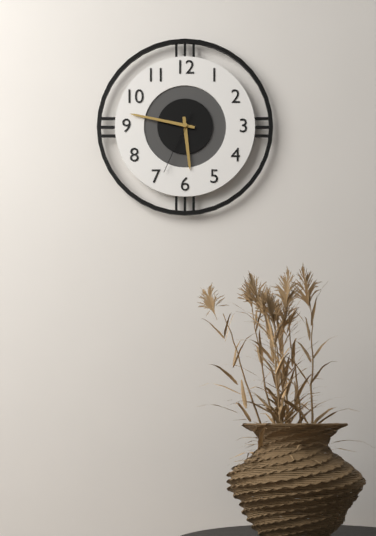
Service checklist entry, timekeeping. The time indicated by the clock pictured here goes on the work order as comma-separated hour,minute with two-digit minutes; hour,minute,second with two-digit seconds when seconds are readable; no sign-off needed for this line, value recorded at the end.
5,47,34
